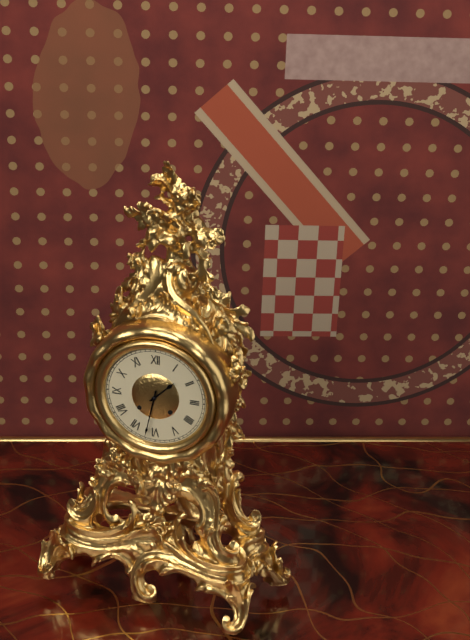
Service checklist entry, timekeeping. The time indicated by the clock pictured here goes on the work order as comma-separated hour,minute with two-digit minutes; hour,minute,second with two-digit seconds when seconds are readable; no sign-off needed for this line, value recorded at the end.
1,32
